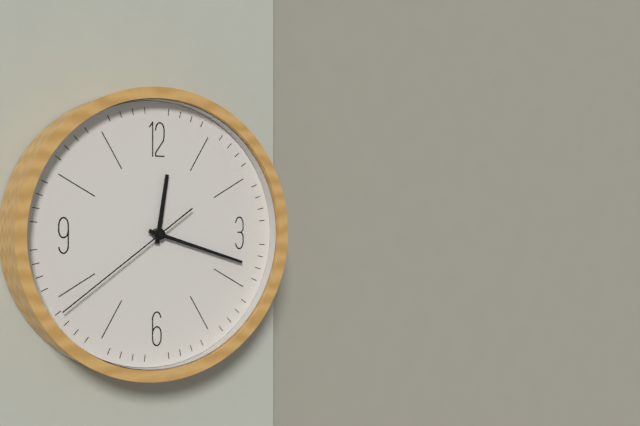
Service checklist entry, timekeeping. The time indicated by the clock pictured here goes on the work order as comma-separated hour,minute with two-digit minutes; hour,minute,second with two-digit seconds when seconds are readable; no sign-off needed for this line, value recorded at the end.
12,18,39
